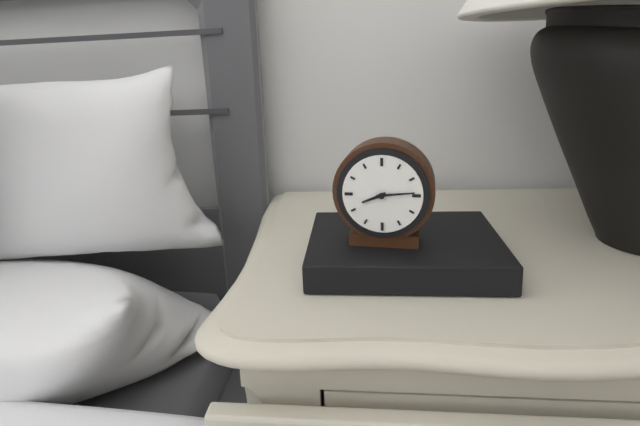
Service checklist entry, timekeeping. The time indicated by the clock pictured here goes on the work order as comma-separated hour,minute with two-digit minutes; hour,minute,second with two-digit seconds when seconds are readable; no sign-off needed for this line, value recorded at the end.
8,14
